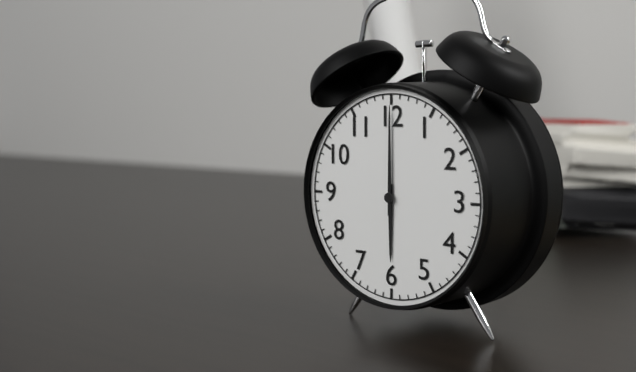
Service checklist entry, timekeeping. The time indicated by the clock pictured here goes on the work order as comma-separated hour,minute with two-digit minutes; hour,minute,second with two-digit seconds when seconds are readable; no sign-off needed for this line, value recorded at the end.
6,00
